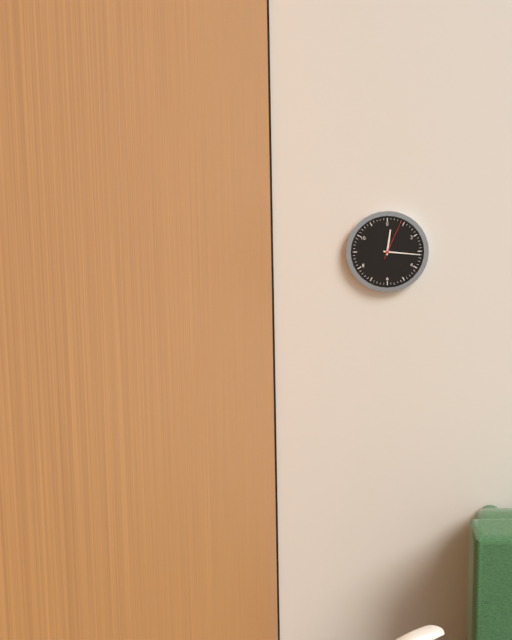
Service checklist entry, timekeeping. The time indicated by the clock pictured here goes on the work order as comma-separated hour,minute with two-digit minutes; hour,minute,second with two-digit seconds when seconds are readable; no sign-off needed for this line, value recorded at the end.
12,16
